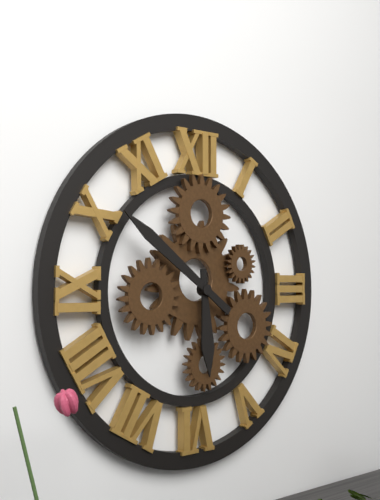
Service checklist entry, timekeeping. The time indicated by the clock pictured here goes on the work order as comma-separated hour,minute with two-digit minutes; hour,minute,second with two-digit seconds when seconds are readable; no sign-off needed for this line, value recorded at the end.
5,51
